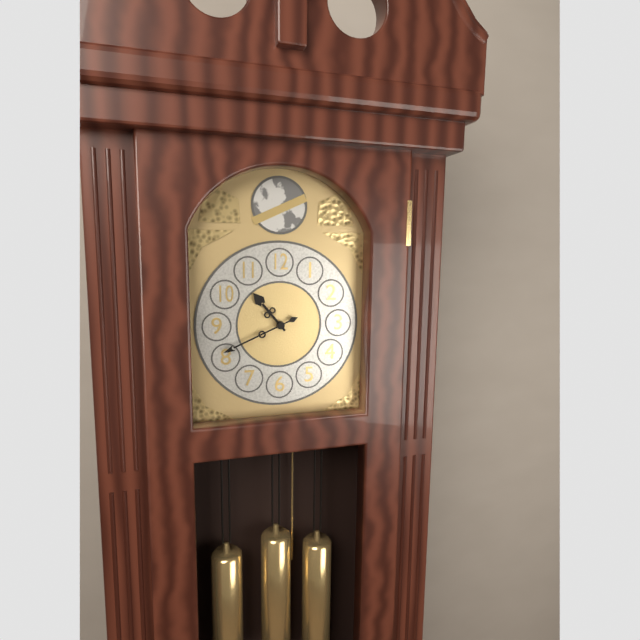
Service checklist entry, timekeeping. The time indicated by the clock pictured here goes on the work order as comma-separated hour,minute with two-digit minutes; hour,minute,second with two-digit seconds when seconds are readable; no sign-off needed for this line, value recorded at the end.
10,41
